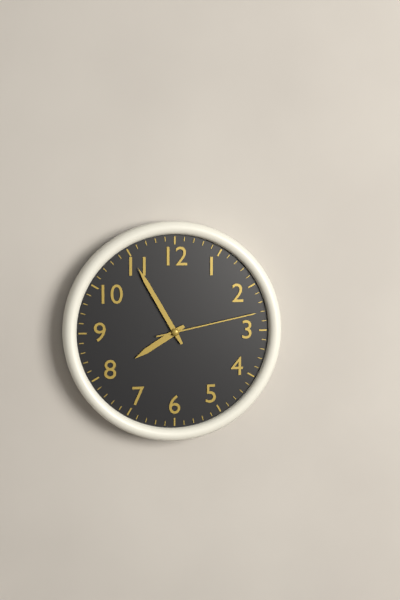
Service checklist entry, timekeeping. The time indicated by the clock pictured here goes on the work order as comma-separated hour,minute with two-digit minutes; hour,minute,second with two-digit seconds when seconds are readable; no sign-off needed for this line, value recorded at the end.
7,55,13
